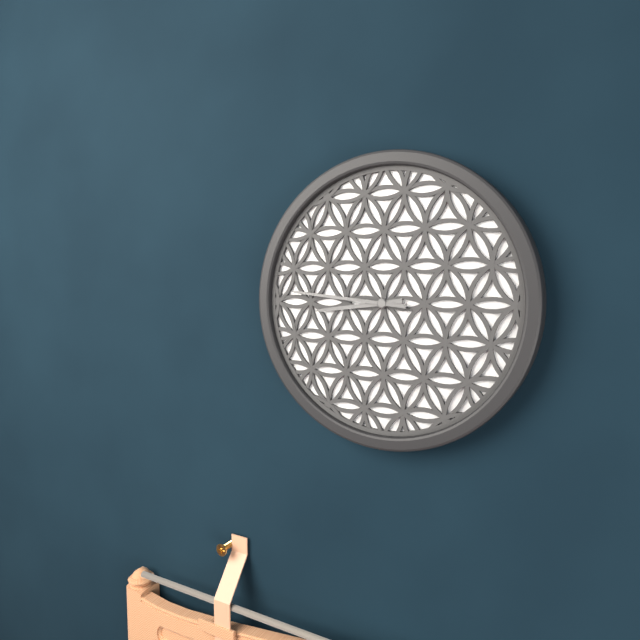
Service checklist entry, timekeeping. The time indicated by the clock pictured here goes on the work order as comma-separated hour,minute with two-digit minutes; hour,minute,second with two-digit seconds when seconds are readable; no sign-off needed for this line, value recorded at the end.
8,46
